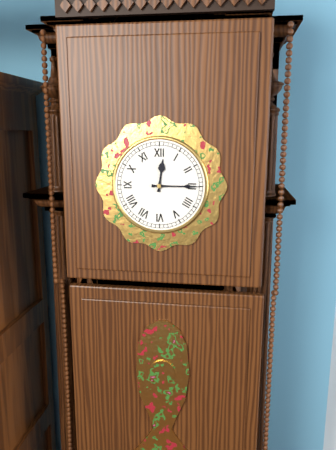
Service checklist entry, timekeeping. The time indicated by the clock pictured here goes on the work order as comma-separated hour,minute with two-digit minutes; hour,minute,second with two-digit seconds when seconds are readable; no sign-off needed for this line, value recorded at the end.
12,15
